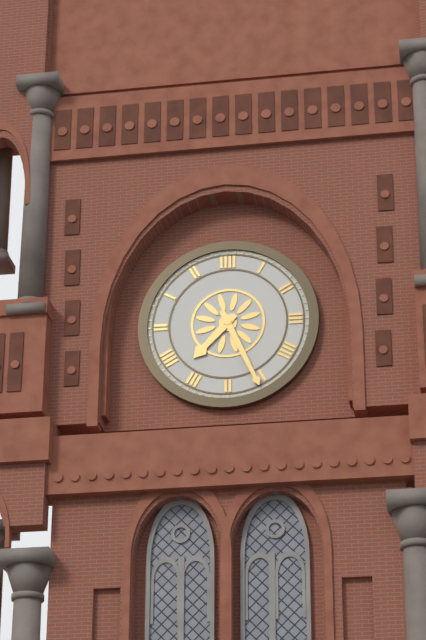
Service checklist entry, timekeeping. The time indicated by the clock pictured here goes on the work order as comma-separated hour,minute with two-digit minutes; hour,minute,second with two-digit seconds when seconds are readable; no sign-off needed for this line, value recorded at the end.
7,26
